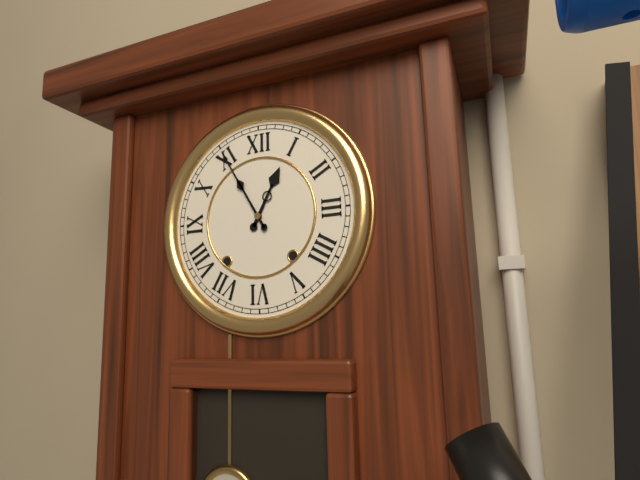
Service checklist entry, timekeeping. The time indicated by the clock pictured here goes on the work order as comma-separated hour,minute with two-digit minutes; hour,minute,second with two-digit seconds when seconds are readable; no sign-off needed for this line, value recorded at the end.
12,55
